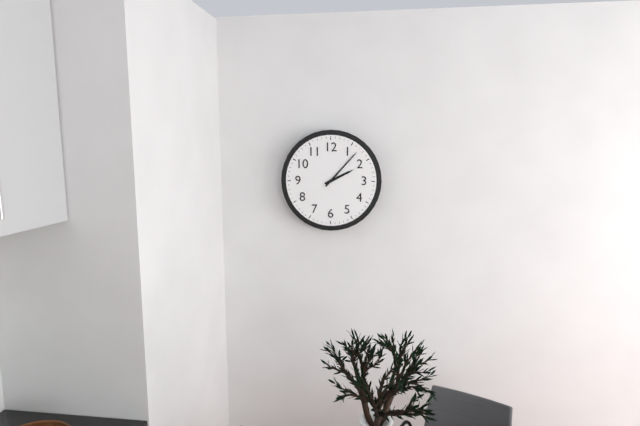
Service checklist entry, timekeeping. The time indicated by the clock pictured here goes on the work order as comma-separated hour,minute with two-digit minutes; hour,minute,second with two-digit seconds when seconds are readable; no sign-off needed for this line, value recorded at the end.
2,07
